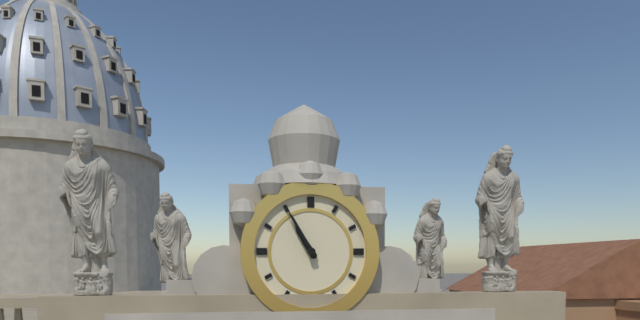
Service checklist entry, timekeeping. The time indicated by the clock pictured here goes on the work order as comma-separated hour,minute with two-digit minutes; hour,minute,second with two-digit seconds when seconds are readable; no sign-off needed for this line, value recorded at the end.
10,55
